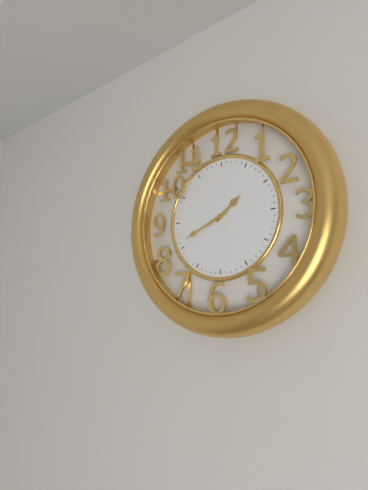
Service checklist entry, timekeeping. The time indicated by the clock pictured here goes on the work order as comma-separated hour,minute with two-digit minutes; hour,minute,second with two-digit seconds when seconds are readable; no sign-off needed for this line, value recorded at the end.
1,41
